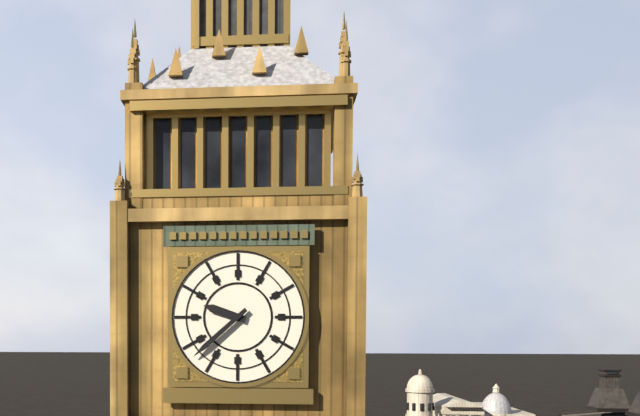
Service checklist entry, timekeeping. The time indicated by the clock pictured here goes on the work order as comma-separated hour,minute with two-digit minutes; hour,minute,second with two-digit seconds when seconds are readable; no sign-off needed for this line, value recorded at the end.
9,38
